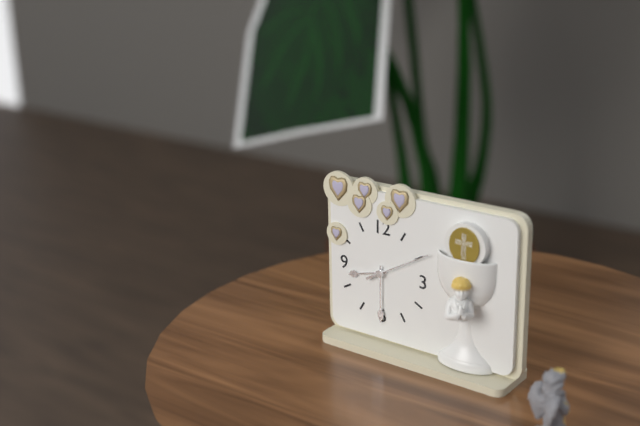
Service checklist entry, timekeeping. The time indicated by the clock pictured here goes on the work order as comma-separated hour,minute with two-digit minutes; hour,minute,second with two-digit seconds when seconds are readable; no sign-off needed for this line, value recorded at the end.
8,30,10
